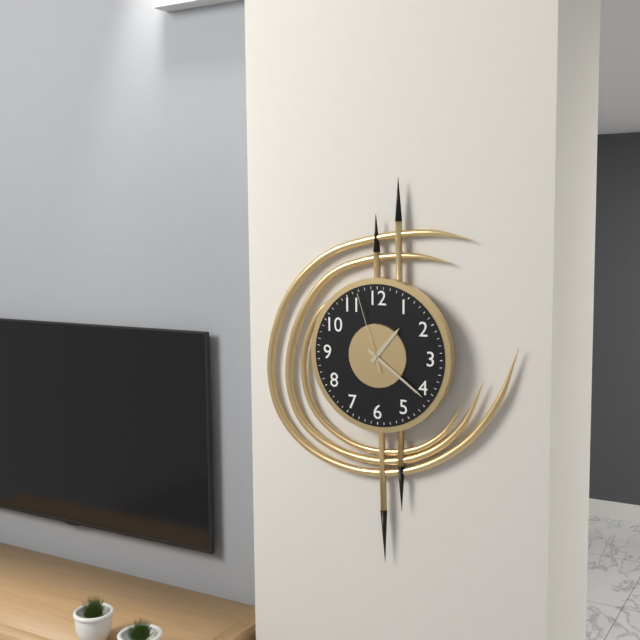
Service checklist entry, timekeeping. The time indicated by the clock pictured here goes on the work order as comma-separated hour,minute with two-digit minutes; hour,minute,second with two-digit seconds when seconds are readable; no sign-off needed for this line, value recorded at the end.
1,21,57
